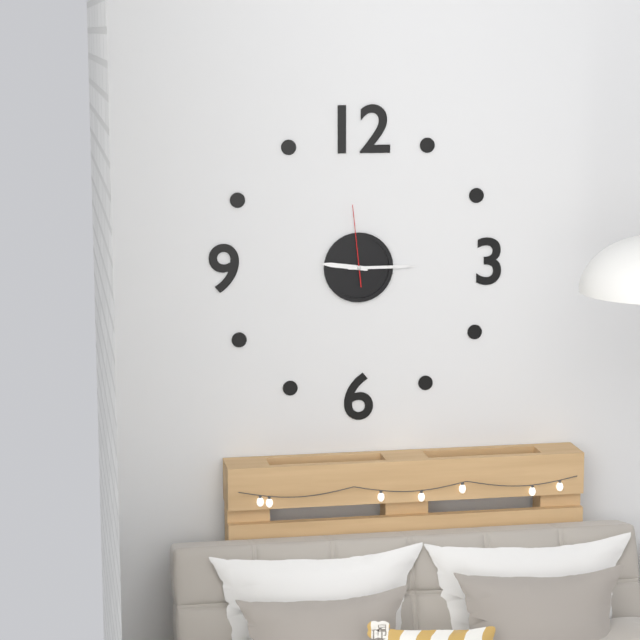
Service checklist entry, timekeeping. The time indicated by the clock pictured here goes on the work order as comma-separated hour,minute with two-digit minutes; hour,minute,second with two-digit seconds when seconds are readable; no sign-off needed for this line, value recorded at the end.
9,15,59
